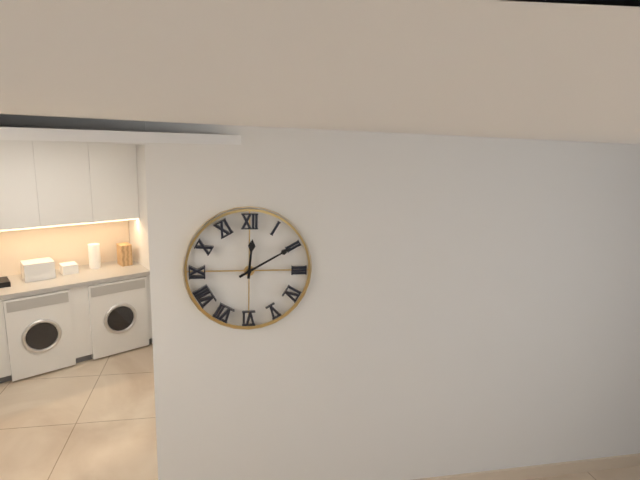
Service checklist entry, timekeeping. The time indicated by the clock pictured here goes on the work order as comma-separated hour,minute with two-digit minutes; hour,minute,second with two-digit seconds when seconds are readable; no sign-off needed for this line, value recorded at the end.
12,10
